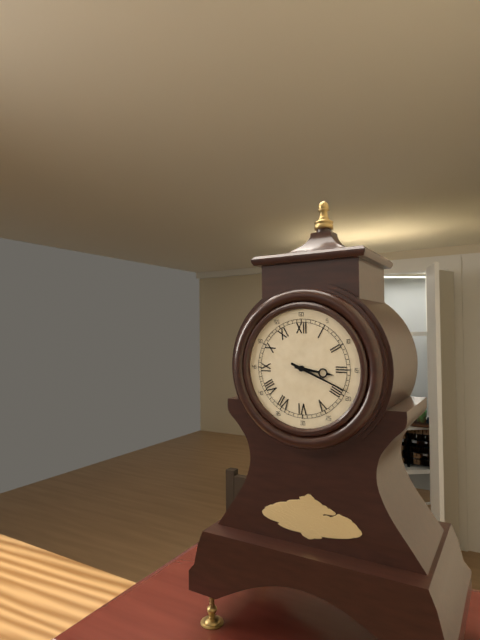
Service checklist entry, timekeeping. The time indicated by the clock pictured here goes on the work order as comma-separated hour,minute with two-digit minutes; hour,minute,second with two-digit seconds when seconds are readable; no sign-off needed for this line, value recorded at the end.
3,19
